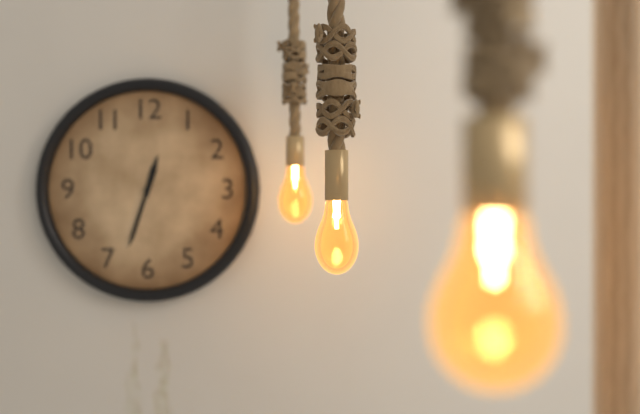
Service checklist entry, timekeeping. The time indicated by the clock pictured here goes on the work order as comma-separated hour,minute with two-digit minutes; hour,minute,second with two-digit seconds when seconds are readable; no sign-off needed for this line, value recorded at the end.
12,33
